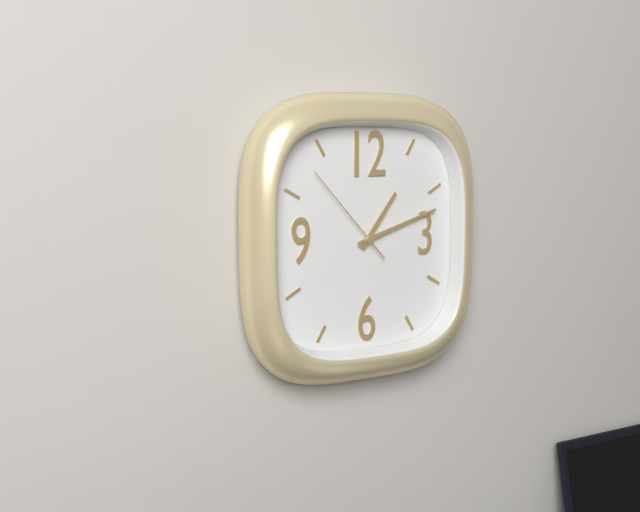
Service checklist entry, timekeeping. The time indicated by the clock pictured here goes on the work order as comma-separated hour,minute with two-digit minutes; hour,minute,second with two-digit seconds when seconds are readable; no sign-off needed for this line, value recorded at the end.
1,12,53
